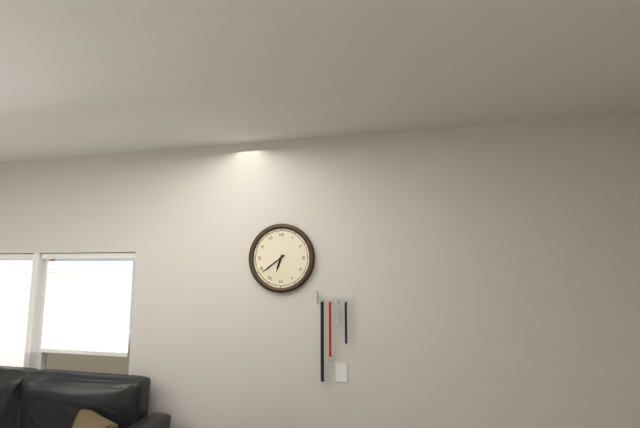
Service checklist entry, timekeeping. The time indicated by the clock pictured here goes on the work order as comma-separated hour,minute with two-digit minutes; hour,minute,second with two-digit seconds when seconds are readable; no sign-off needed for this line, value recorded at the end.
6,39
